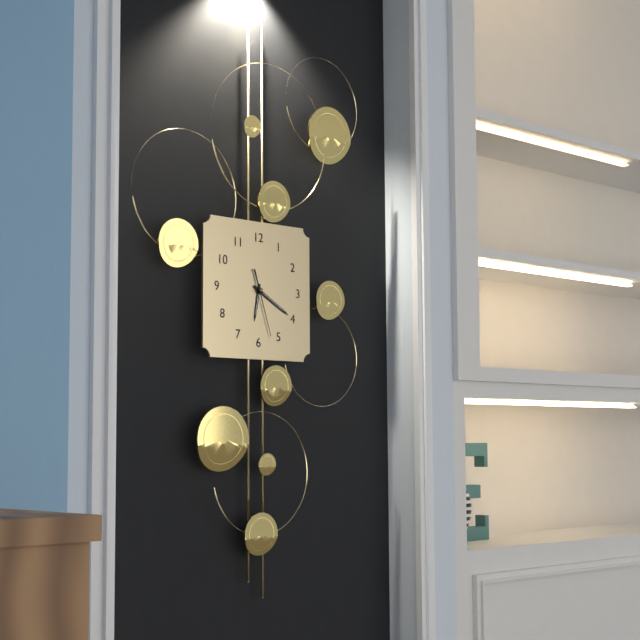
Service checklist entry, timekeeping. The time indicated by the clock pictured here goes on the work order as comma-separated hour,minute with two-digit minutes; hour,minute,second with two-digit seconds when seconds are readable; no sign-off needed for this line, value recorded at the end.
6,20,27
